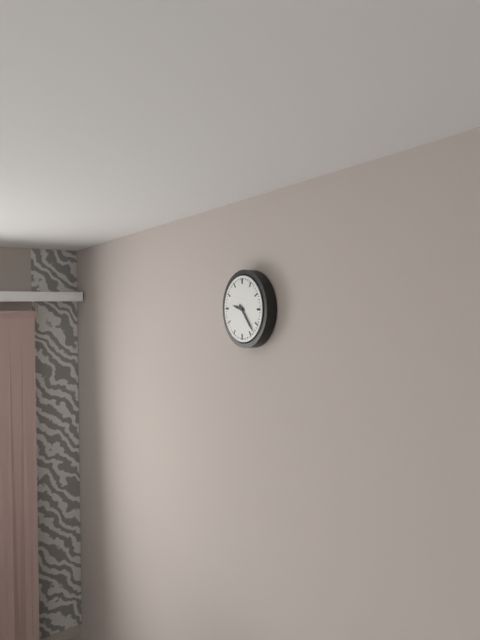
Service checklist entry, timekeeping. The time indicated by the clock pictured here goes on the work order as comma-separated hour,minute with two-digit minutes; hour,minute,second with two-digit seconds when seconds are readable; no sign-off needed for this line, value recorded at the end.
9,23
